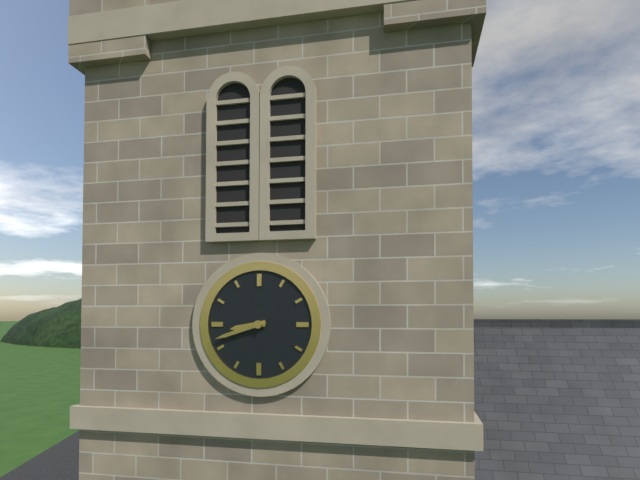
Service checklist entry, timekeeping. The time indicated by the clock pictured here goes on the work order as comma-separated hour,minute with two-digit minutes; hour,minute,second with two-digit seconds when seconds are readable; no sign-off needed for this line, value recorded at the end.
8,42
